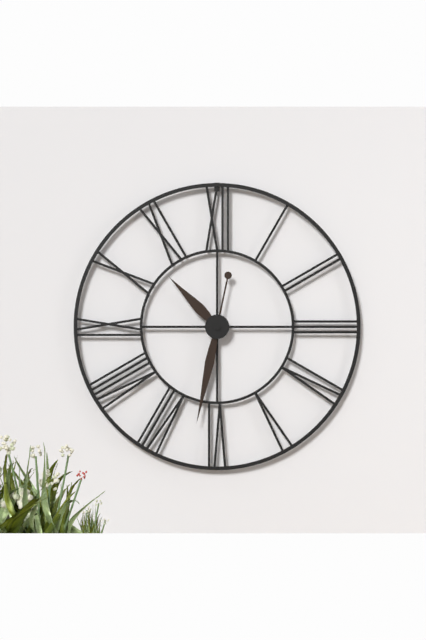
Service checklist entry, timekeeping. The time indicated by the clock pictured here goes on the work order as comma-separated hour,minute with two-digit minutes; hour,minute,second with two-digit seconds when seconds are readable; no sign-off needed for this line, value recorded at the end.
10,32
